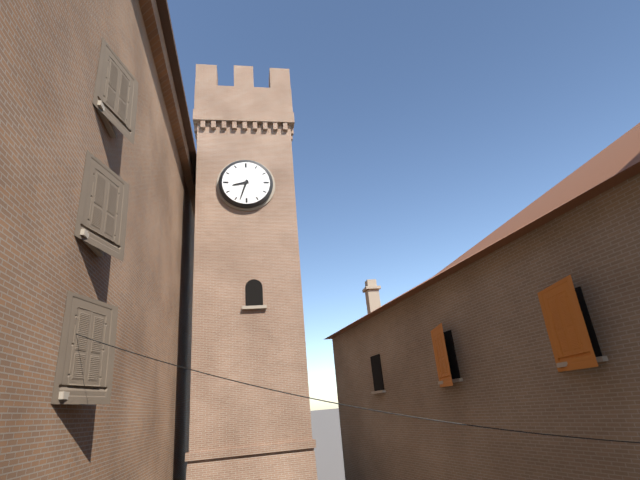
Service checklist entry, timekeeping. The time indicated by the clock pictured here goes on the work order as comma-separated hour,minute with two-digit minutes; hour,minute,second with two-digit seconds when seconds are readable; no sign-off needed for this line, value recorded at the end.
8,33
